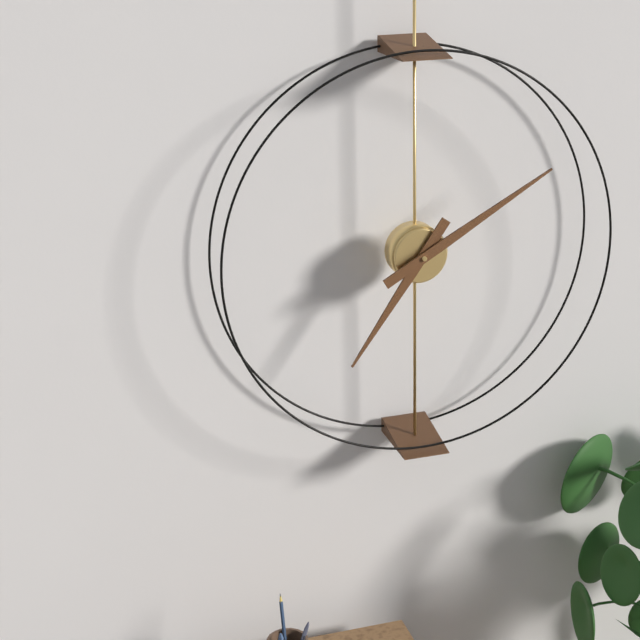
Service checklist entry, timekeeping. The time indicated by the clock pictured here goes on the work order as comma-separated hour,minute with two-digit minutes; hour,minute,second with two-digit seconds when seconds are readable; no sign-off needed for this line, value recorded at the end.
7,10
